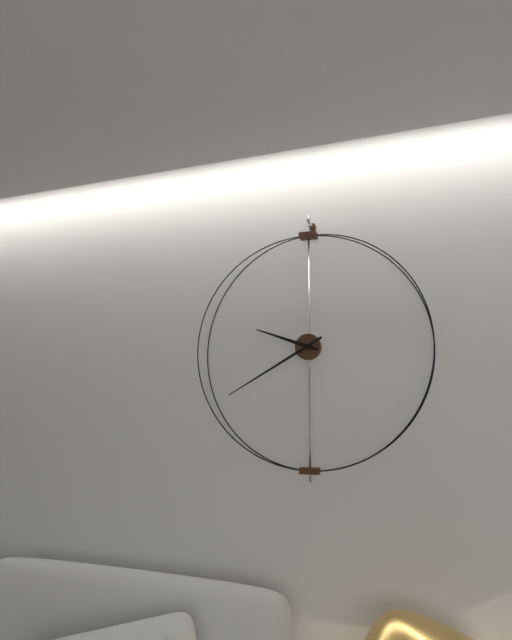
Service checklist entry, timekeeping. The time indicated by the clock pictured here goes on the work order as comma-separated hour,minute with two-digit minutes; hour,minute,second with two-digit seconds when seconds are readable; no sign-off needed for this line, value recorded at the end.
9,40
